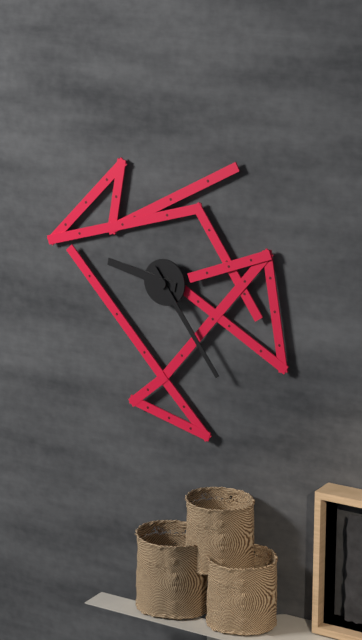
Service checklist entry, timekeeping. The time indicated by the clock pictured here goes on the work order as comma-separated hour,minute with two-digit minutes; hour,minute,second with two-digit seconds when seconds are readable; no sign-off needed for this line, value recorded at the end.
9,24
